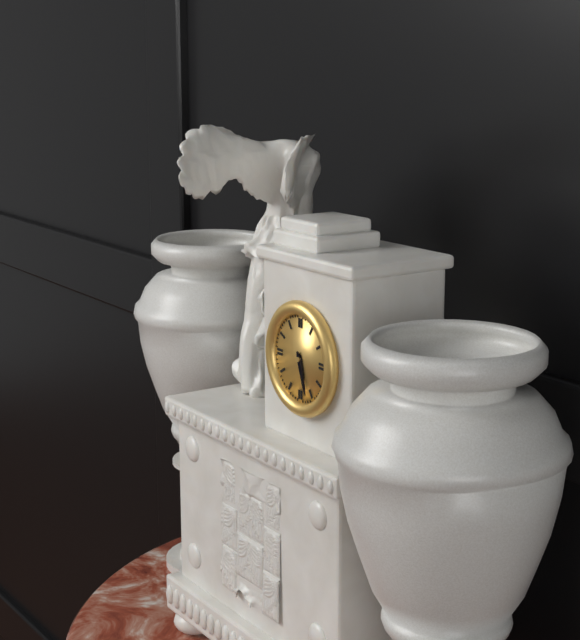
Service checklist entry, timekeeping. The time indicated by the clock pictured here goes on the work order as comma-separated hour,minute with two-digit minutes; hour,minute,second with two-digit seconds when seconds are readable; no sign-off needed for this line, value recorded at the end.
5,27
